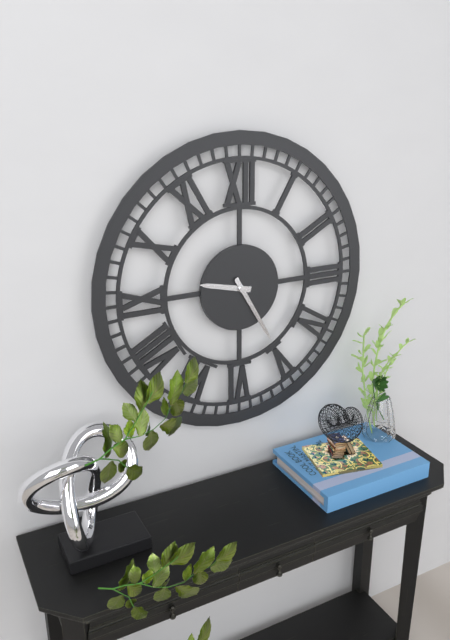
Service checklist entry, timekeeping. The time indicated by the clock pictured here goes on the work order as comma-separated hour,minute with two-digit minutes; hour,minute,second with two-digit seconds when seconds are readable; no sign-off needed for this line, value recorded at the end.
9,25
